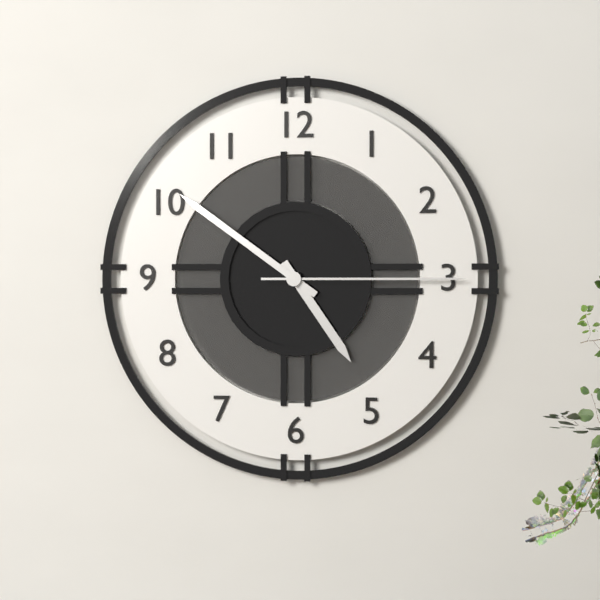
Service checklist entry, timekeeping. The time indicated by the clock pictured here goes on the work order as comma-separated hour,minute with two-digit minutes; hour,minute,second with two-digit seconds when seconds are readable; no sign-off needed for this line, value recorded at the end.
4,51,15
